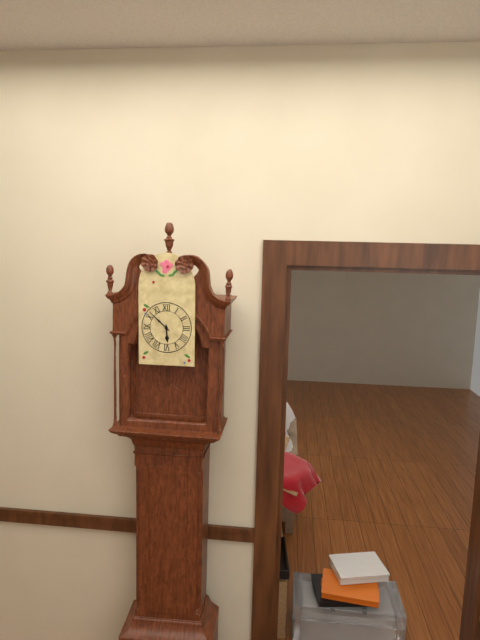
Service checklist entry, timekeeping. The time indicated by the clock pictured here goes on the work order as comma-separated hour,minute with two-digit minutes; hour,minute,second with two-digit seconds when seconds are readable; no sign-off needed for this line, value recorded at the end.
5,52
